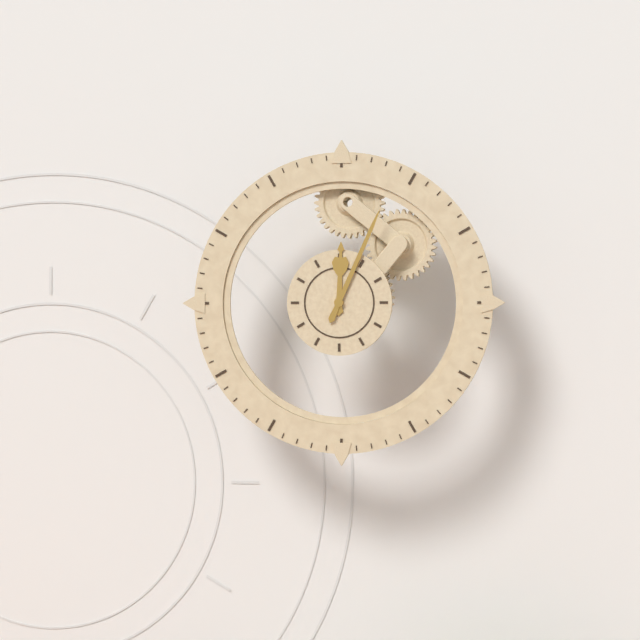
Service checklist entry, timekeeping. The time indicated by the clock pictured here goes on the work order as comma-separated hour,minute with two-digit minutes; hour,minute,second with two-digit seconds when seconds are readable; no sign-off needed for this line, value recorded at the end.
12,04
